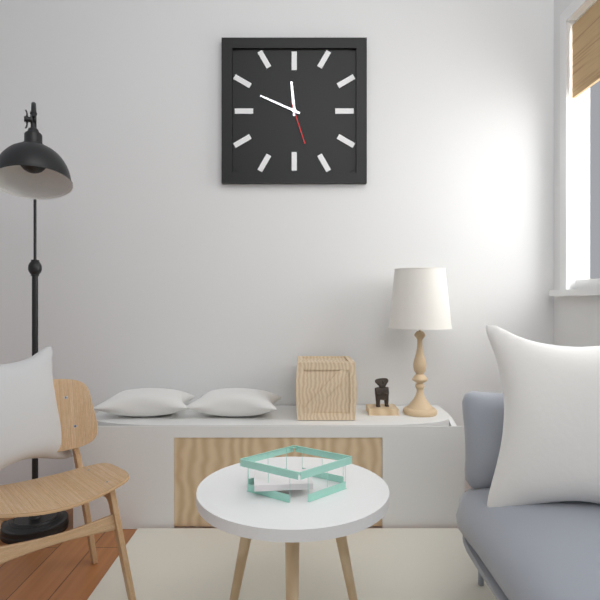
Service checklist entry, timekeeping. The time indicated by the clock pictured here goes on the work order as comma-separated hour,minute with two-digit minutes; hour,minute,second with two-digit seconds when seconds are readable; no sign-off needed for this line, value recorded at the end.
11,49
